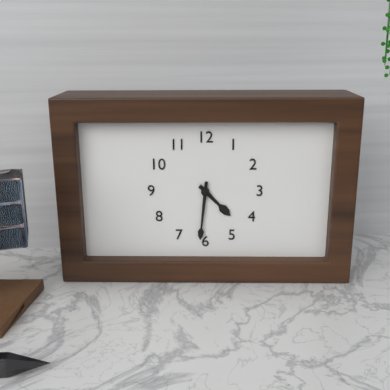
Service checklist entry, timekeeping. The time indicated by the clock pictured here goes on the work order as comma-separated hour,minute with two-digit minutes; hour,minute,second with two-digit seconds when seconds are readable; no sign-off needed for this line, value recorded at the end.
4,31
